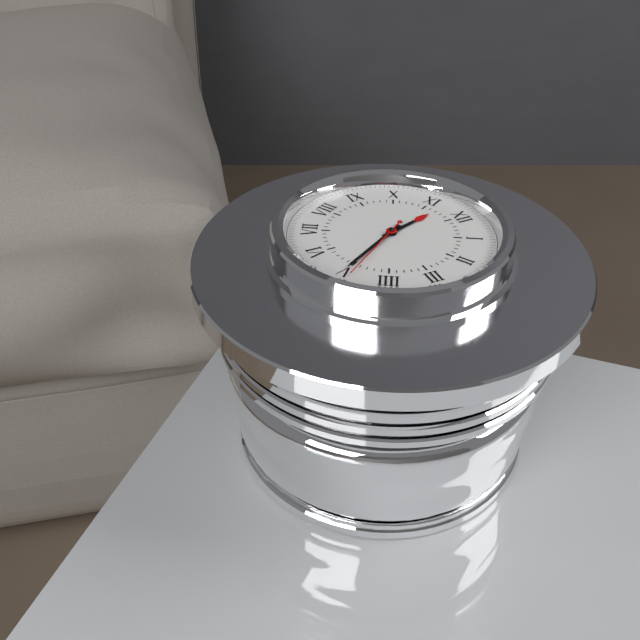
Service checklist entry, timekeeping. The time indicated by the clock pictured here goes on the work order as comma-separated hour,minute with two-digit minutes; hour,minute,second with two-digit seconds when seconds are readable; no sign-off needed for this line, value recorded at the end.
11,25,24
